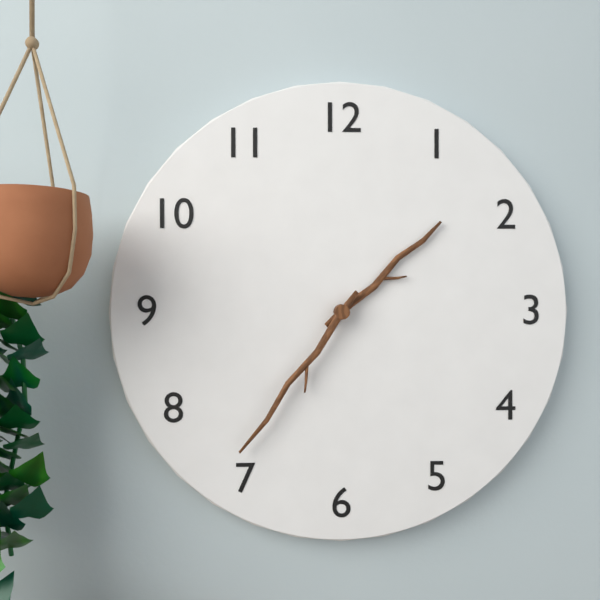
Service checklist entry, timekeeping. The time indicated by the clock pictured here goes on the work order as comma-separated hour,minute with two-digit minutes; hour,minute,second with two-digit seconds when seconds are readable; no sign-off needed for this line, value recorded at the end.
1,36
